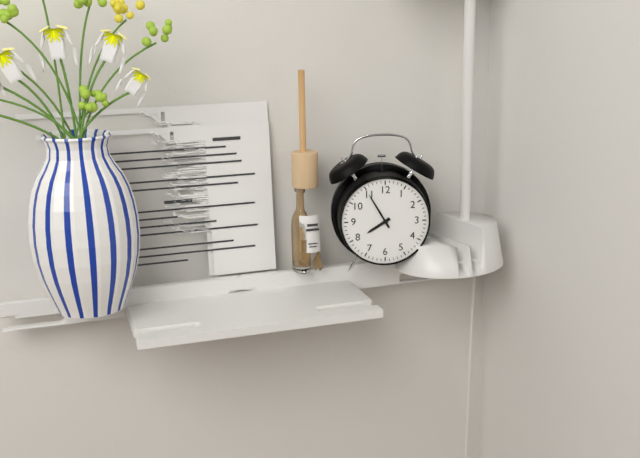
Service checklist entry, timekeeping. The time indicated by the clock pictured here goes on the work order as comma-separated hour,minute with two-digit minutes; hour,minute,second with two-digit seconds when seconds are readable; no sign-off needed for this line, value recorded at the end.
7,55
